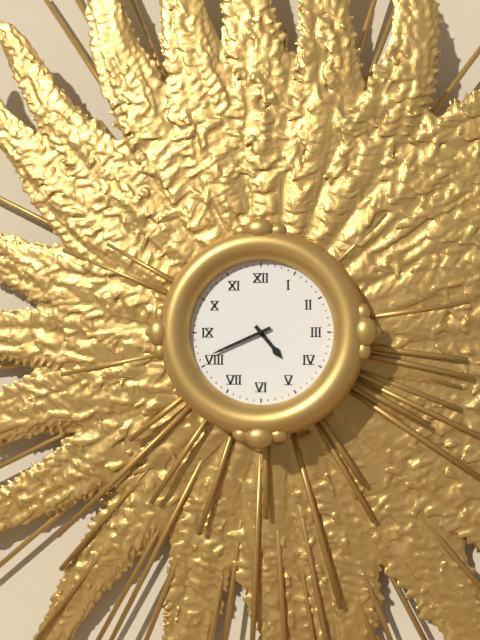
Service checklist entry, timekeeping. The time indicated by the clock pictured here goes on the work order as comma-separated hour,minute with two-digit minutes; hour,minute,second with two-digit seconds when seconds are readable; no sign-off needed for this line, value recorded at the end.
4,41
